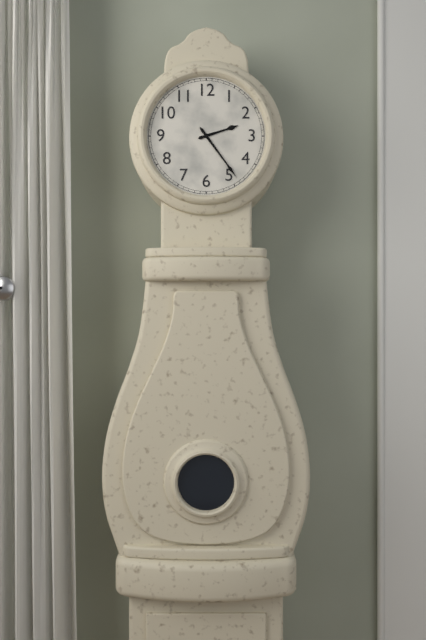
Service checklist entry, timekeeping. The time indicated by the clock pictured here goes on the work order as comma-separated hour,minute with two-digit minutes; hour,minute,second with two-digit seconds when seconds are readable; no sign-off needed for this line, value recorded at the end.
2,24
